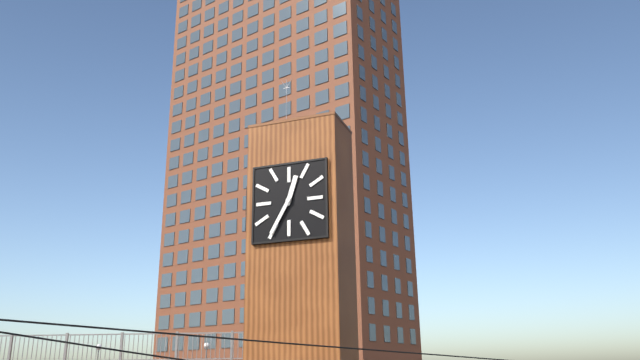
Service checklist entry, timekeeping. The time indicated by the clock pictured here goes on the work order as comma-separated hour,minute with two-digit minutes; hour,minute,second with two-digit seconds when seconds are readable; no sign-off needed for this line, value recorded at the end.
12,35
